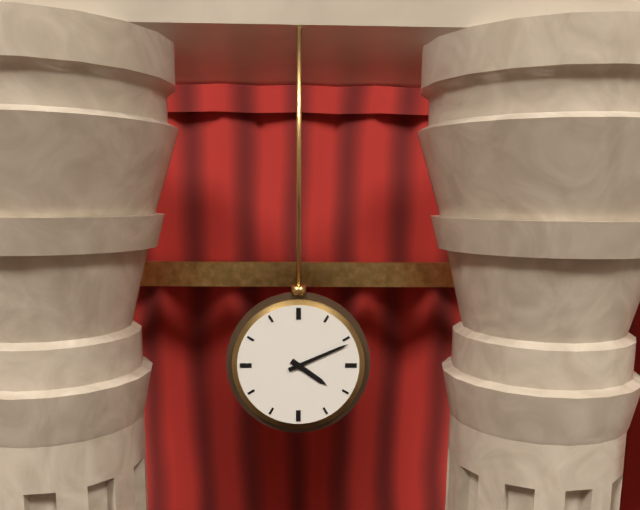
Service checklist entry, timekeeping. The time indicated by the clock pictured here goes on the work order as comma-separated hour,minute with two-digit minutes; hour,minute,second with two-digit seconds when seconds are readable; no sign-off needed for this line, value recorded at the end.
4,11
